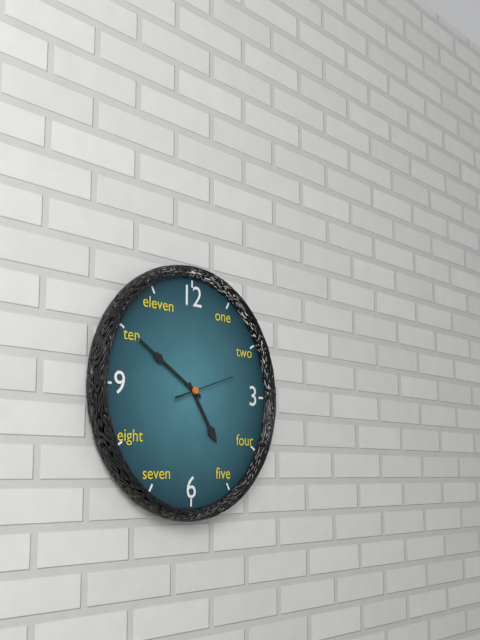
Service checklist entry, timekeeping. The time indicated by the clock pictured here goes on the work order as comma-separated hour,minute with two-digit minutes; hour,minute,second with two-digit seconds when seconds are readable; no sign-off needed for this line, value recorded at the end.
4,50,12
